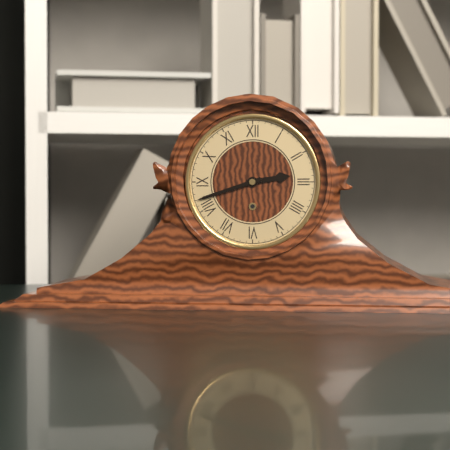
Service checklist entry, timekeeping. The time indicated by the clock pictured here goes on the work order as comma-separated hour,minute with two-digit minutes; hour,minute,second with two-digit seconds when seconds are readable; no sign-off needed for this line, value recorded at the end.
2,42
